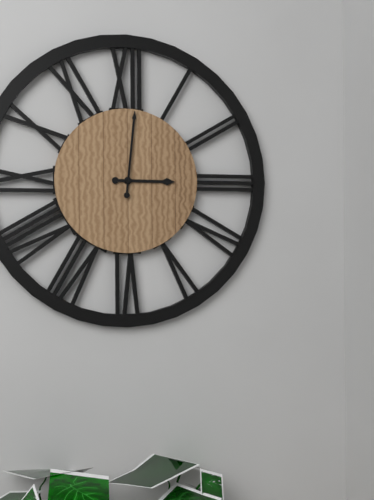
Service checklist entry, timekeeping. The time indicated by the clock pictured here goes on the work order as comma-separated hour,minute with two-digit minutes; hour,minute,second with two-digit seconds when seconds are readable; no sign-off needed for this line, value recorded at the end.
3,01
